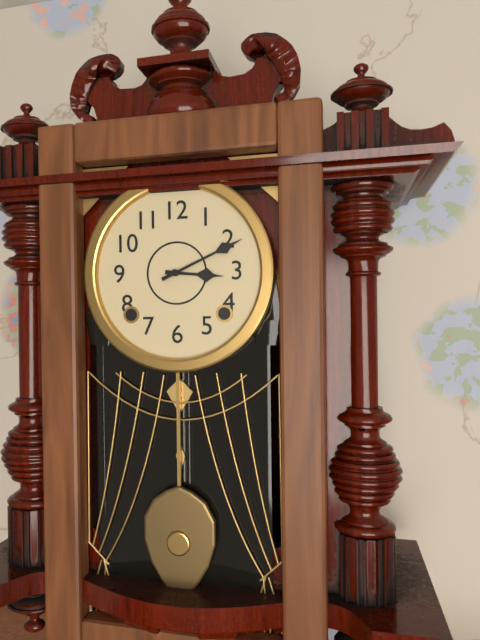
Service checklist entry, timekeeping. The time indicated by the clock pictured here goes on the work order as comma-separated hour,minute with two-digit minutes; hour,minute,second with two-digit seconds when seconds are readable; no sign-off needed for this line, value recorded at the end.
3,11
